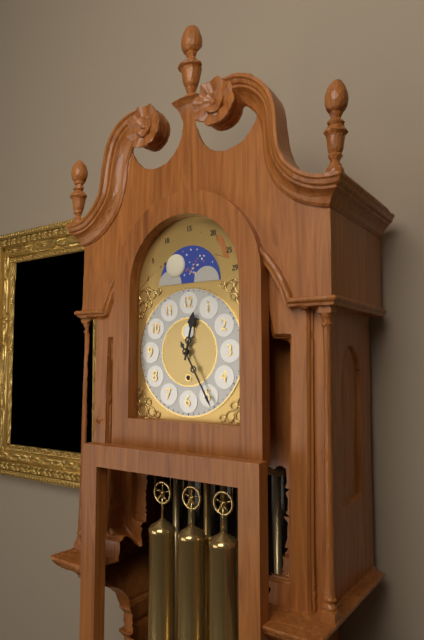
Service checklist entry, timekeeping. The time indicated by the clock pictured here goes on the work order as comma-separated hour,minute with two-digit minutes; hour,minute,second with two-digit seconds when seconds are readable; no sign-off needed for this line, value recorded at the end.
12,25
